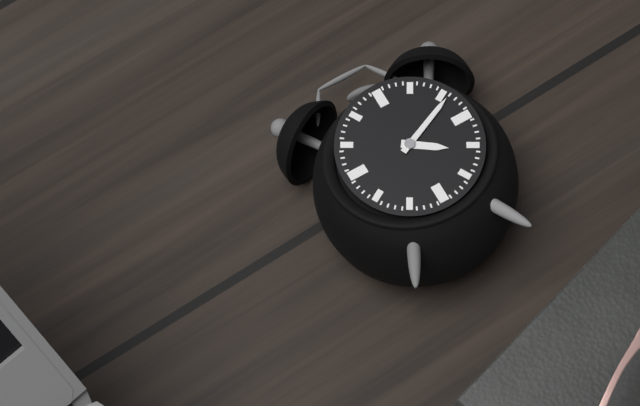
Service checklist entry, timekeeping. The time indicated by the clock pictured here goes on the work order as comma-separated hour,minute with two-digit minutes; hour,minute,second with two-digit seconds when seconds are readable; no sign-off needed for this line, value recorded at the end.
4,11
